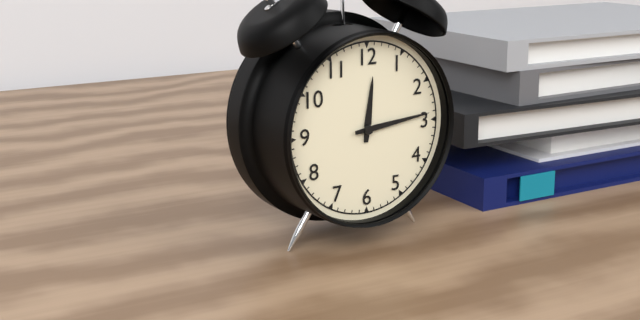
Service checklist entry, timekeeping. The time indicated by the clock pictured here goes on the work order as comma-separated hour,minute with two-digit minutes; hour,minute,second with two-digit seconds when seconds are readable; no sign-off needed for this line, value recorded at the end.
12,14
